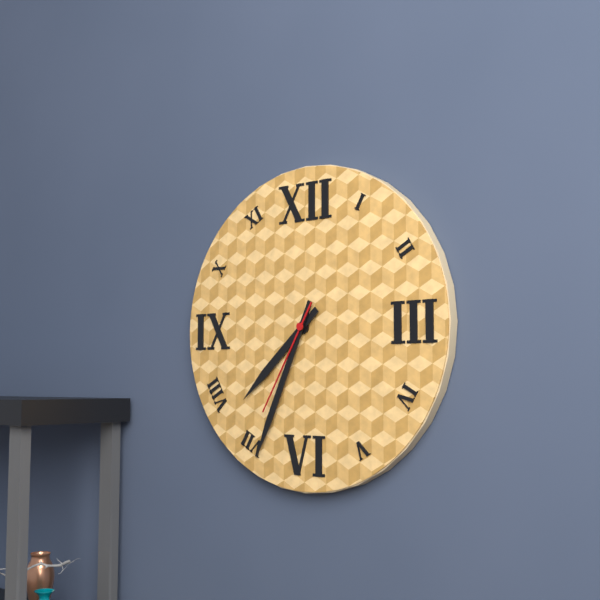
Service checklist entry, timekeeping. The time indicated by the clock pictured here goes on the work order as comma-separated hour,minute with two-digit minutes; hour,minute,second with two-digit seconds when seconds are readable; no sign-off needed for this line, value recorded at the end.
7,34,35
